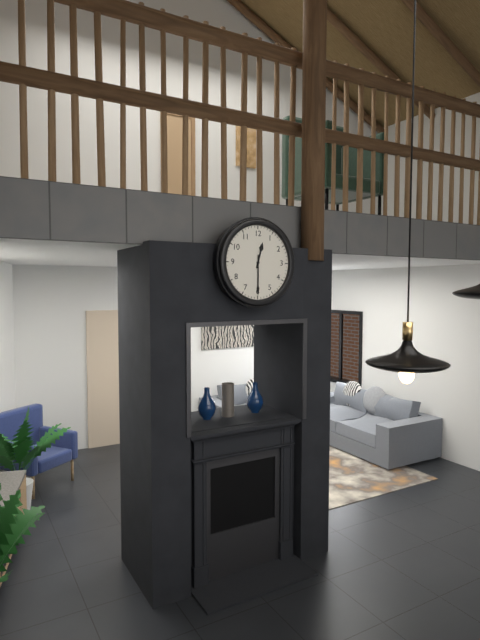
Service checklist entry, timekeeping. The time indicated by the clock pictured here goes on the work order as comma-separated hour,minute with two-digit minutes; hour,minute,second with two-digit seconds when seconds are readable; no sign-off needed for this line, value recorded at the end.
12,30
